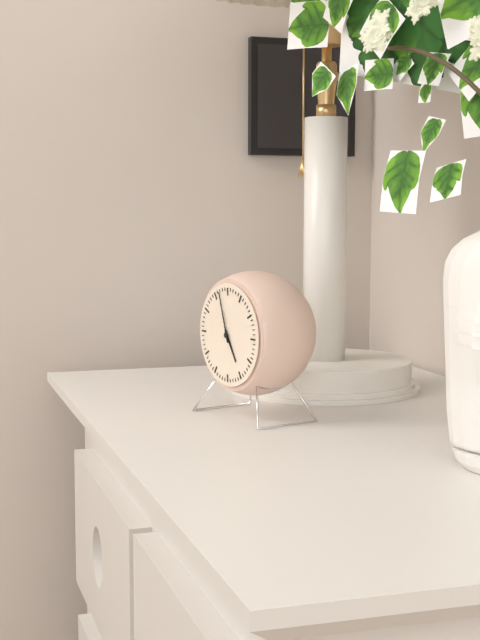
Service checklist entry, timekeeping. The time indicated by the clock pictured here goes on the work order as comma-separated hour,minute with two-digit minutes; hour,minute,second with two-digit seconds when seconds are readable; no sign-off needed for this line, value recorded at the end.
4,57
